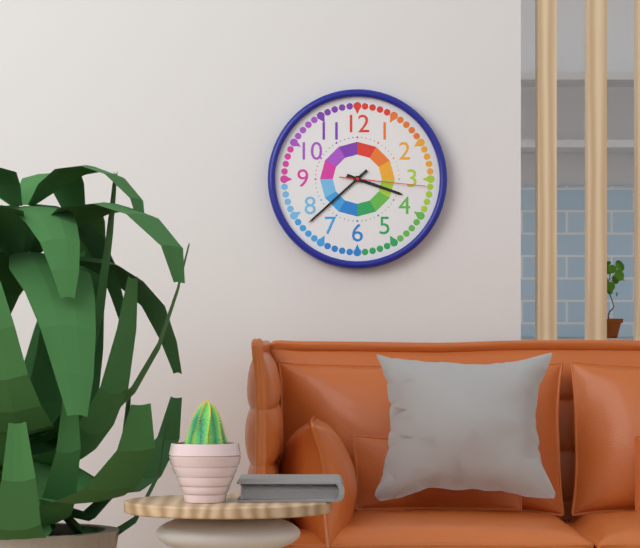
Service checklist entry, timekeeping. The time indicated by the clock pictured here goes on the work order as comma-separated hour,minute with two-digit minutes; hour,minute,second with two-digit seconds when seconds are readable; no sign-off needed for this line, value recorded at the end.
3,38,16
